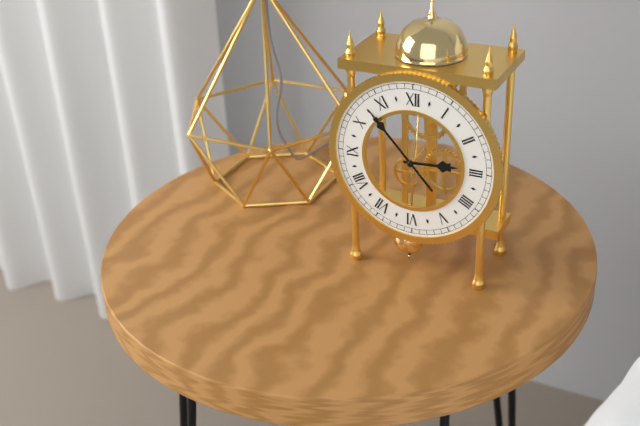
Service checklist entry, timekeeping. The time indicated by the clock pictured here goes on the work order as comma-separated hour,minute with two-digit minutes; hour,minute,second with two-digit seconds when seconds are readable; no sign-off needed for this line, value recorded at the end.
2,53
